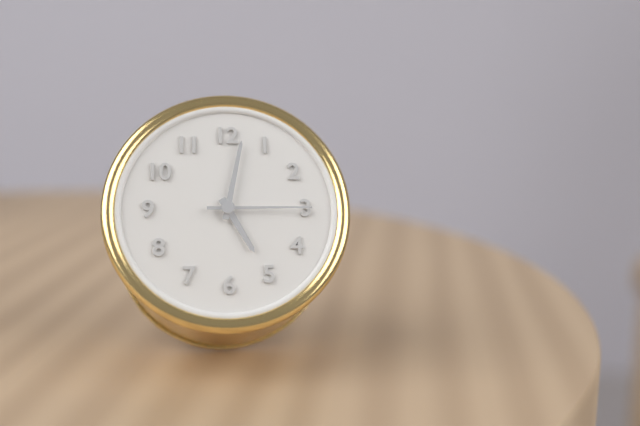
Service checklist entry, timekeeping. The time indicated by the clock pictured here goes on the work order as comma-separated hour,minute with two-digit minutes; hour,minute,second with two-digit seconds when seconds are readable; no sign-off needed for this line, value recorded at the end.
5,02,15
